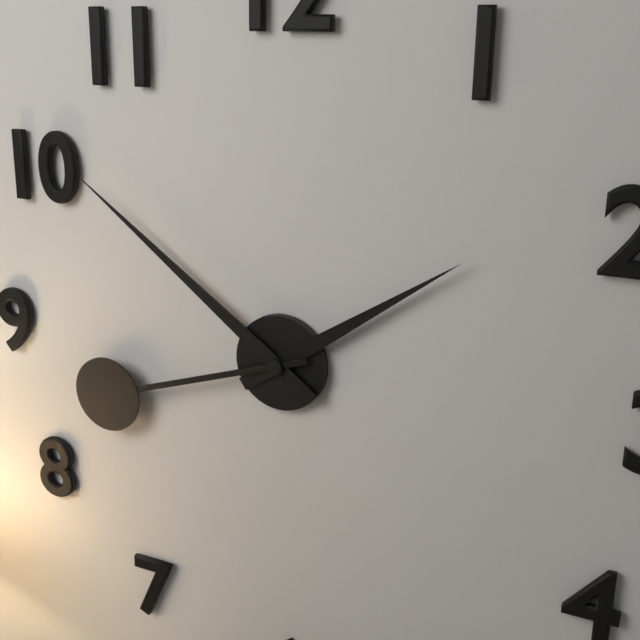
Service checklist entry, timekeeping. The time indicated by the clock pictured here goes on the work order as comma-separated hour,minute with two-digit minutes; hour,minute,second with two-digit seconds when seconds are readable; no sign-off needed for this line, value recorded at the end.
1,51,42
